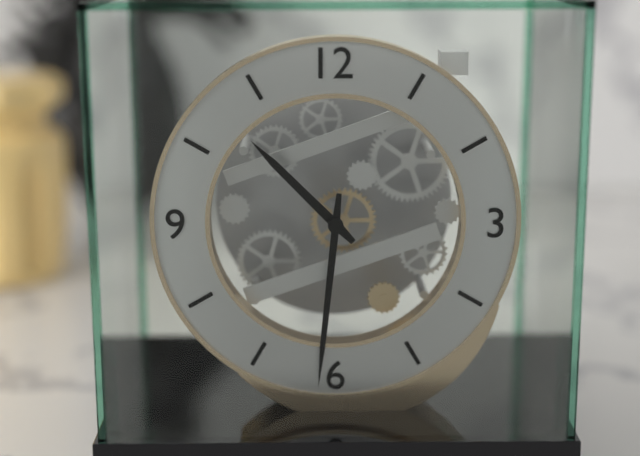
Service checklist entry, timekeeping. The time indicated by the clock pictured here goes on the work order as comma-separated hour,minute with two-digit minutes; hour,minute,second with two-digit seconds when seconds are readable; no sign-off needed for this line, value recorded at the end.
10,31
